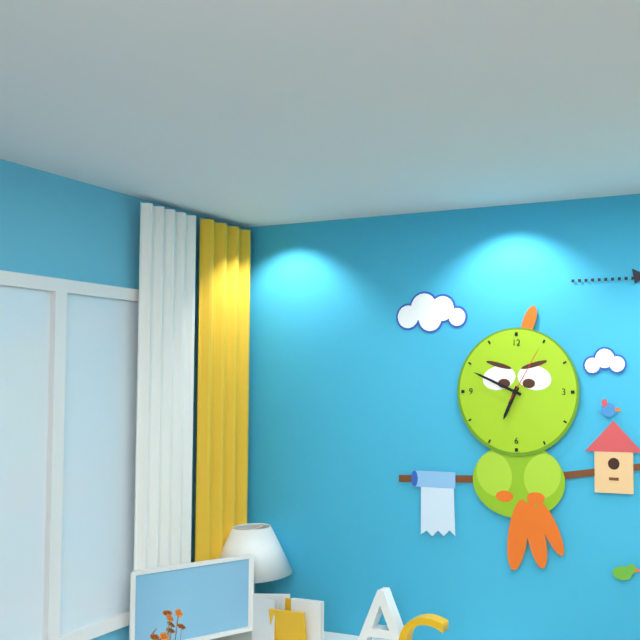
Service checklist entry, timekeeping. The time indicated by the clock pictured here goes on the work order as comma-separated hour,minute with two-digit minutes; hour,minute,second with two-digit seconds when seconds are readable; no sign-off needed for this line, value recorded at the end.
6,49,05
